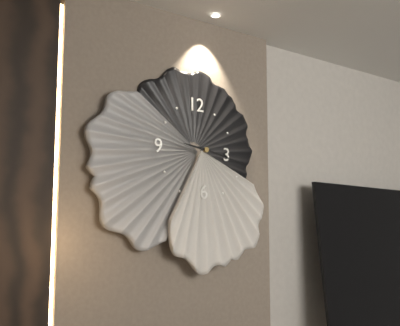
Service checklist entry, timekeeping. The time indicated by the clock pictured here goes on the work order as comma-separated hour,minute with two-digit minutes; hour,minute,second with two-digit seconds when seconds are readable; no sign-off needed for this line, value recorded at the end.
9,17
